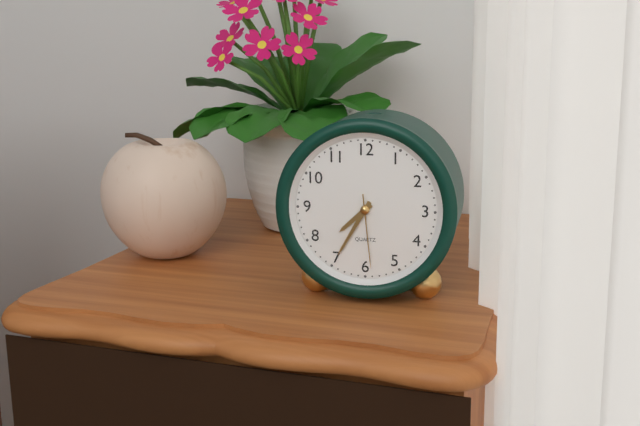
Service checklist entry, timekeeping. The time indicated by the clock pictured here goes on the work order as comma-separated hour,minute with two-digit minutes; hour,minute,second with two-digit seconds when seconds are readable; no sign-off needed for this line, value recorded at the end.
7,35,29
